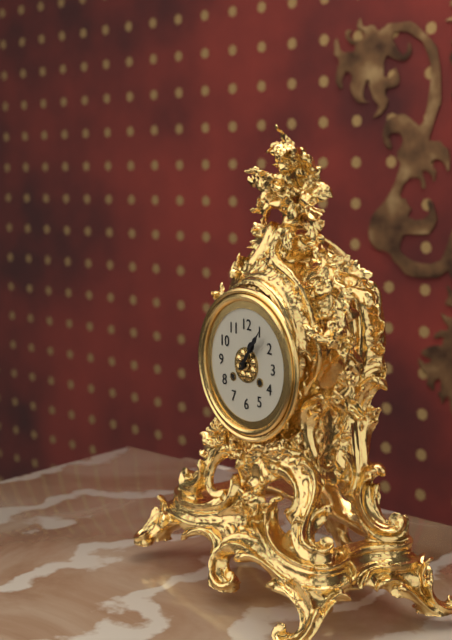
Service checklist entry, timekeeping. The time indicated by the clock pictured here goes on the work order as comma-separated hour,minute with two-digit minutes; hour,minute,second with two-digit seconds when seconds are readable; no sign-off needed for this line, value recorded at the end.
1,06
